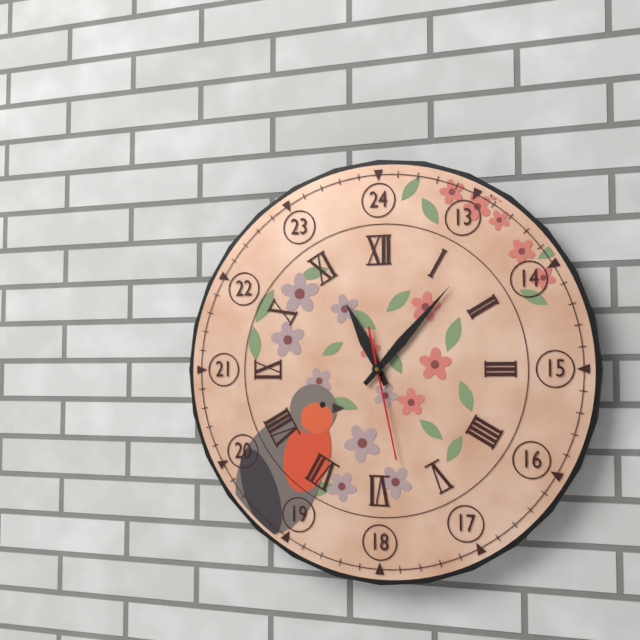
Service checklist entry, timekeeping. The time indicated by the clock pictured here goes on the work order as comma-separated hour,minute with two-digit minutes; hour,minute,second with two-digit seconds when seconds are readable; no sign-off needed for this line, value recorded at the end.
11,07,28
